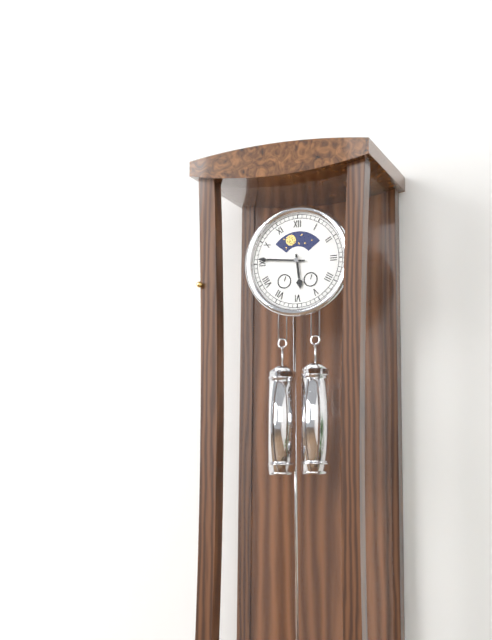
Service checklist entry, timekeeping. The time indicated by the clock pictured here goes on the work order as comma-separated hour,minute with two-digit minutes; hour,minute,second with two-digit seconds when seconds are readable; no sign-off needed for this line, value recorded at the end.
5,46
